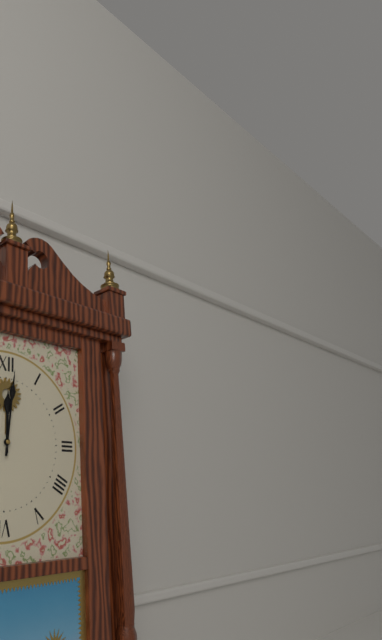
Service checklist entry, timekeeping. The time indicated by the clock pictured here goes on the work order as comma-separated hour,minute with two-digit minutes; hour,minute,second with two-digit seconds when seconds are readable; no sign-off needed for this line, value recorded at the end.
12,01
